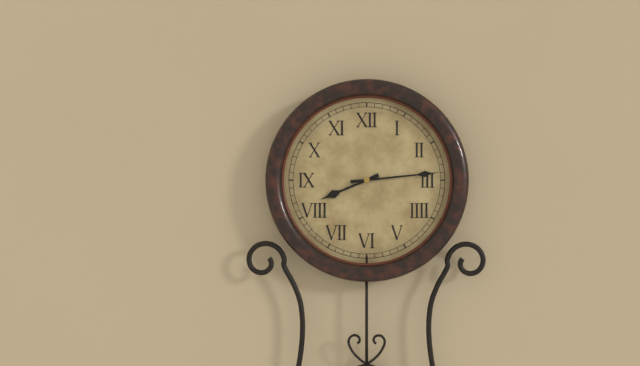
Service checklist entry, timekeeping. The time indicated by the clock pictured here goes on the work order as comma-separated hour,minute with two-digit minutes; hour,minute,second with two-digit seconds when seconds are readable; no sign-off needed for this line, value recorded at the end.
8,14
